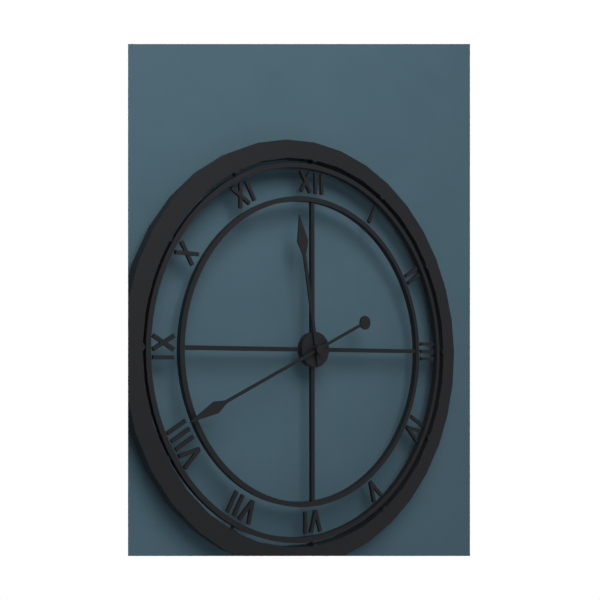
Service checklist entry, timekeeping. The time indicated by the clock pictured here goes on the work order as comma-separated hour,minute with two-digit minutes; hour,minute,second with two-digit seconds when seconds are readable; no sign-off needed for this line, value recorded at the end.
11,41
